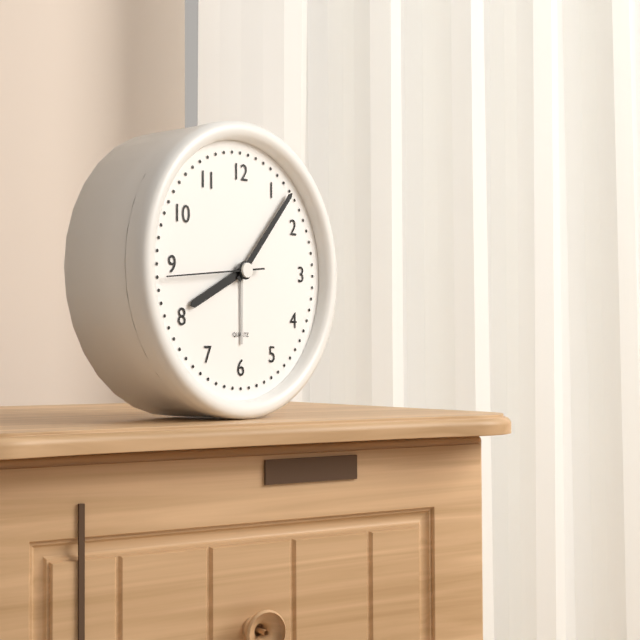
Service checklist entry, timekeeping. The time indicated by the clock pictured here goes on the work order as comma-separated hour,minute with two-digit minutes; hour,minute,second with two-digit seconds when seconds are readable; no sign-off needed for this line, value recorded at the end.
8,07,44
